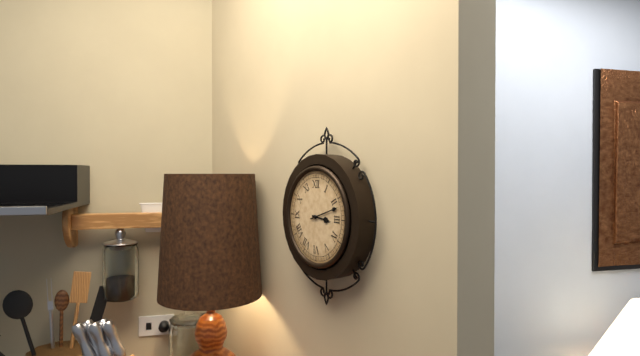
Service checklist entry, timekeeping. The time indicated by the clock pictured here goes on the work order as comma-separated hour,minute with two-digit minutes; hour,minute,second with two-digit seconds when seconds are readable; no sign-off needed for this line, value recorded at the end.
3,12
